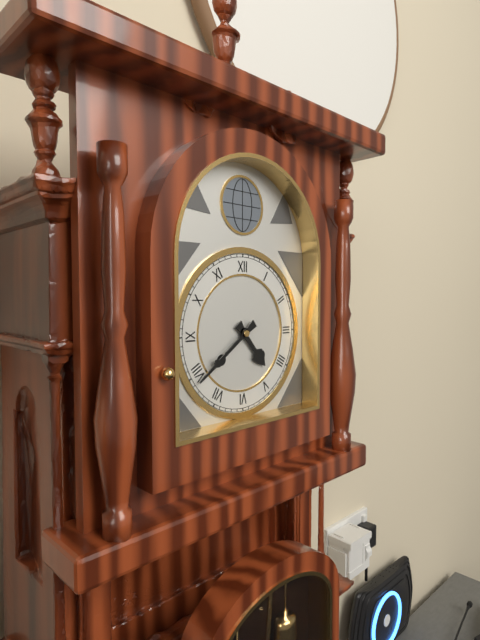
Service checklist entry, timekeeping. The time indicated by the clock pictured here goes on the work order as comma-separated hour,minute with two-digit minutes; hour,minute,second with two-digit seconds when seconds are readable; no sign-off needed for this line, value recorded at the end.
4,39
